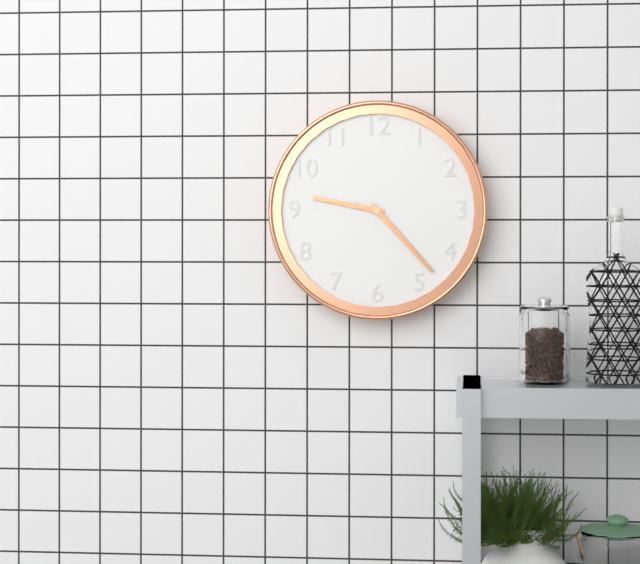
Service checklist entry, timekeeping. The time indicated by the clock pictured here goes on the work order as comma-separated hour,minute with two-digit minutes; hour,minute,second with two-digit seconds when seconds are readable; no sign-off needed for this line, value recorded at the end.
9,23
